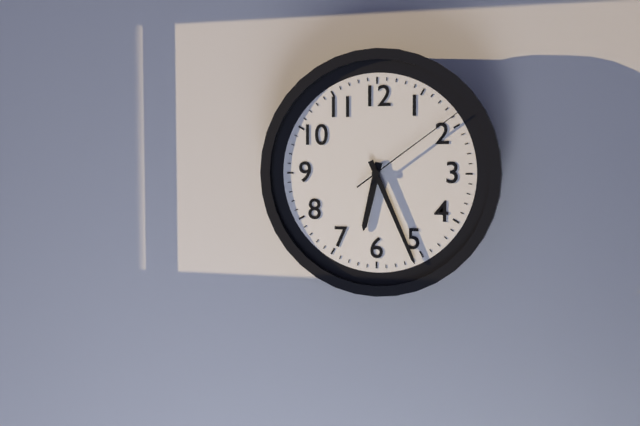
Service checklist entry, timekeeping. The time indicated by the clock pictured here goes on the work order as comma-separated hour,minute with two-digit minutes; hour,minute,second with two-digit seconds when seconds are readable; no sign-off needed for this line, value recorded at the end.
6,26,09
